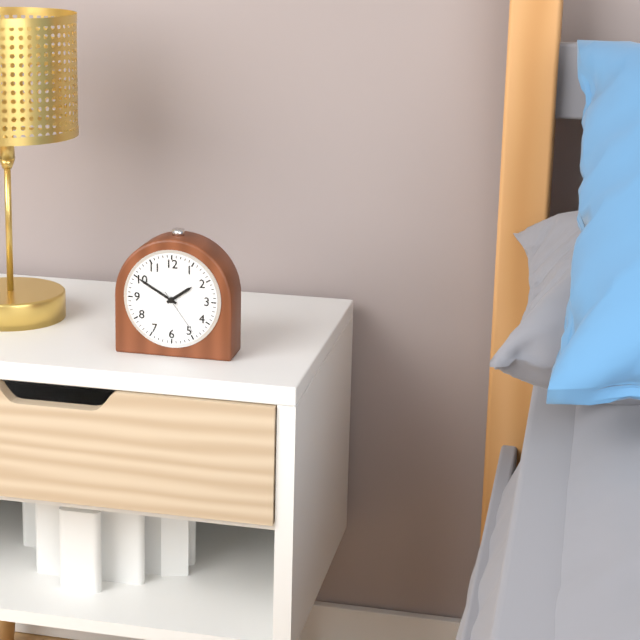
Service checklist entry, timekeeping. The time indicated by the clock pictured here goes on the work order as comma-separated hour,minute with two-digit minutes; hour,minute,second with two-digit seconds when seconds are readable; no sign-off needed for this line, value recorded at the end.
1,50,24
